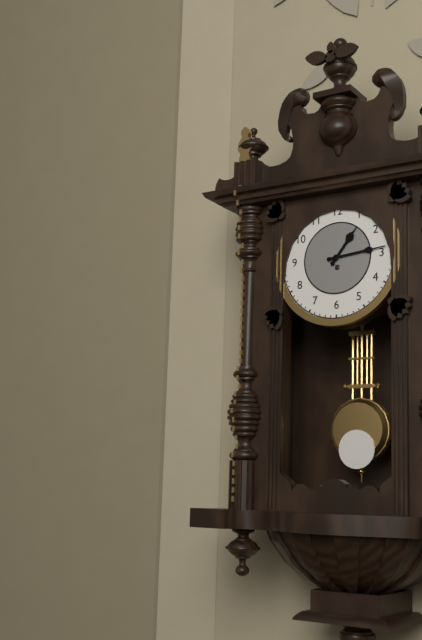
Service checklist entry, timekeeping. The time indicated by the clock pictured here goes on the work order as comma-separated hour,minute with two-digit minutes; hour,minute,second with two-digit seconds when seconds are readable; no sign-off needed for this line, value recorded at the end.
1,14
